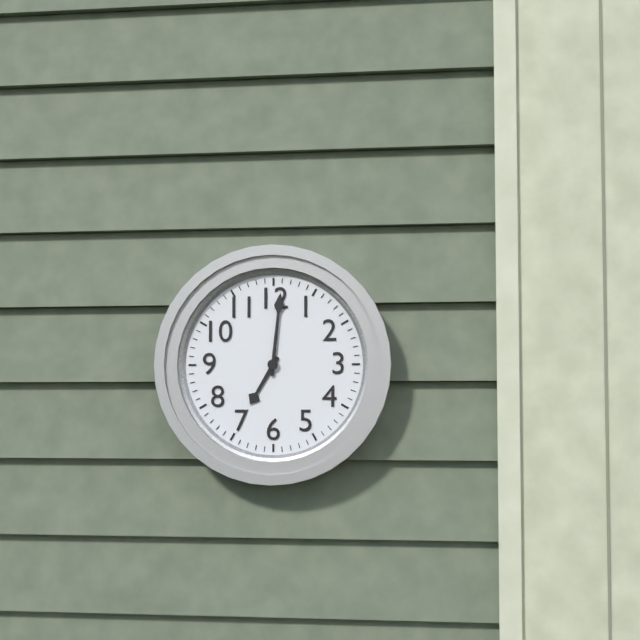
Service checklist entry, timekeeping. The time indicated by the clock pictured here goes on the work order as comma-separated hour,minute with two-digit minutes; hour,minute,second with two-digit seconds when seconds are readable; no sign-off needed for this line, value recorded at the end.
7,01
